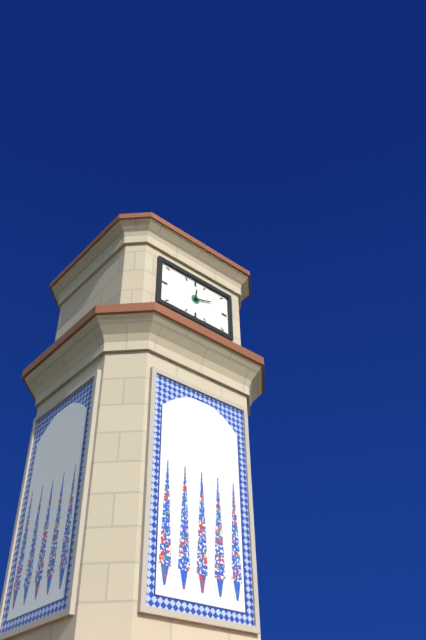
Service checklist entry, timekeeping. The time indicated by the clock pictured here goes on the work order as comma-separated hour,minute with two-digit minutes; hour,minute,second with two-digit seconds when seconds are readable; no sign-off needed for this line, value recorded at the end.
12,12
